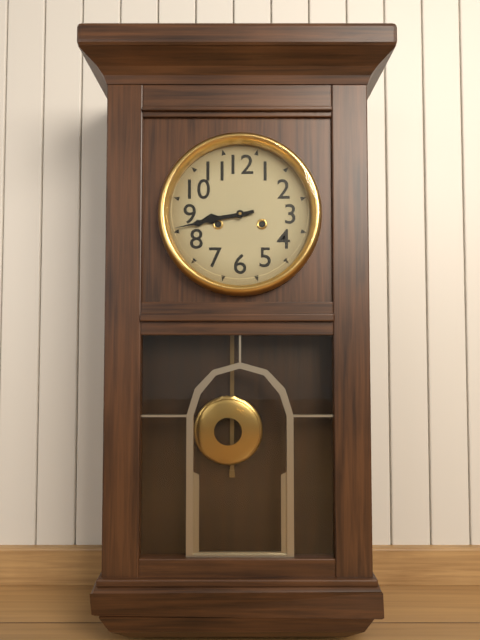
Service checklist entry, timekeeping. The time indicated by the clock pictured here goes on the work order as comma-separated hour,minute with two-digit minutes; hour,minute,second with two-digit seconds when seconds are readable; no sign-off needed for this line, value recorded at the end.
8,43
